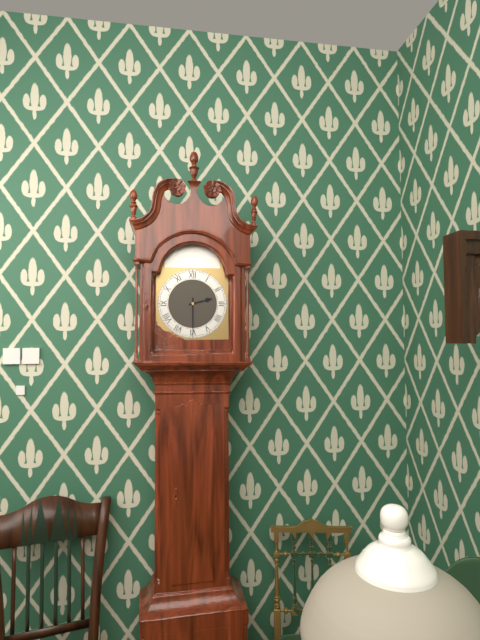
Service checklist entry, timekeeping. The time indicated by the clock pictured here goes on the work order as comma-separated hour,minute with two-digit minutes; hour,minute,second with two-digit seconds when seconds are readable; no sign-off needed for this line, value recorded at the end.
2,30
